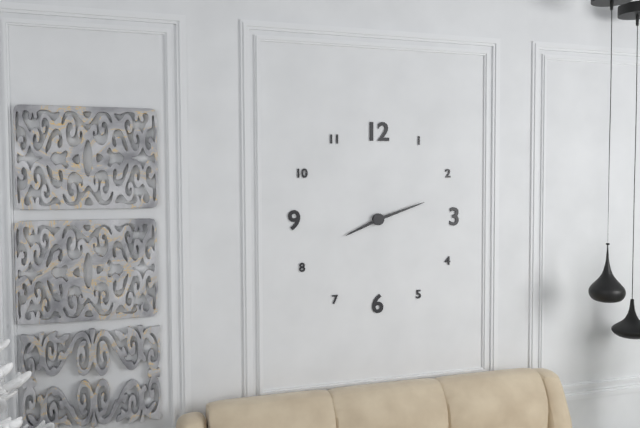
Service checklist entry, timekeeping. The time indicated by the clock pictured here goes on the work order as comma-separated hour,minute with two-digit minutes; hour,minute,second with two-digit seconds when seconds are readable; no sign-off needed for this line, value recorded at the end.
8,12
